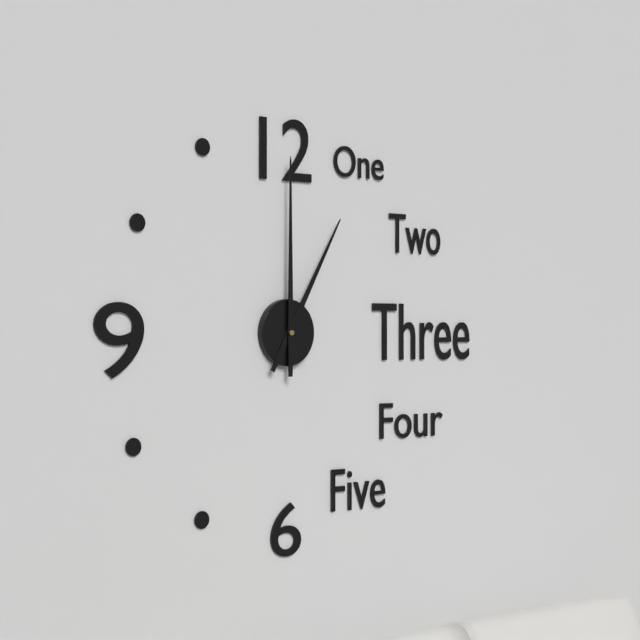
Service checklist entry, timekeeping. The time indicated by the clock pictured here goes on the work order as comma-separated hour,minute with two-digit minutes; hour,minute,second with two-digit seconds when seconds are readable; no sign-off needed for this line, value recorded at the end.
1,00
